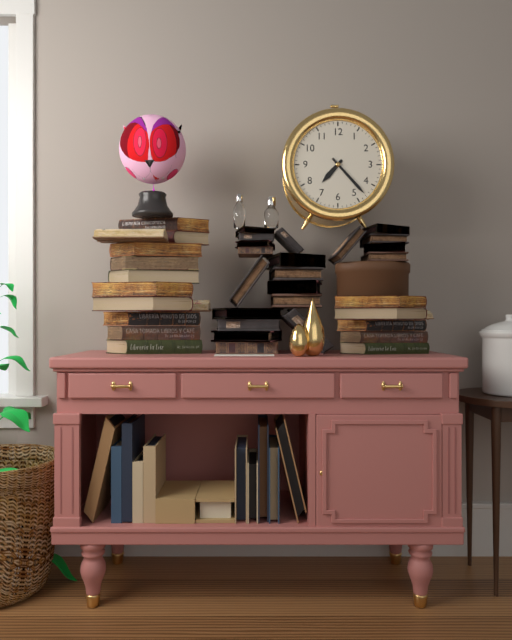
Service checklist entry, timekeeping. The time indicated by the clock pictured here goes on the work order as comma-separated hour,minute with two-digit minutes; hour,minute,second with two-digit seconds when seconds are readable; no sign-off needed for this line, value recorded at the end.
7,23
